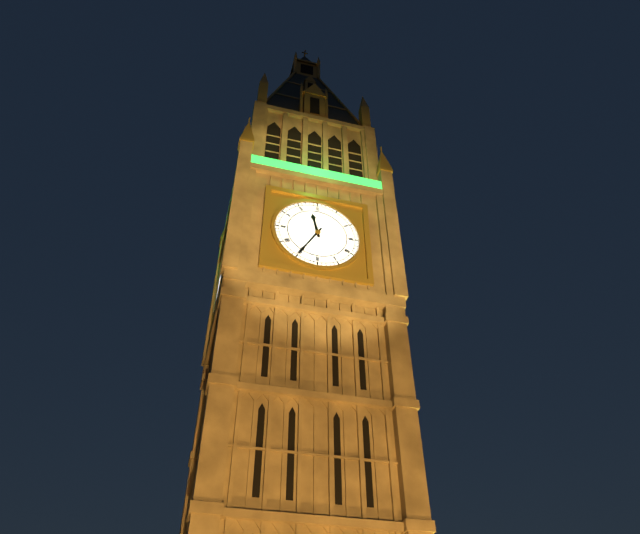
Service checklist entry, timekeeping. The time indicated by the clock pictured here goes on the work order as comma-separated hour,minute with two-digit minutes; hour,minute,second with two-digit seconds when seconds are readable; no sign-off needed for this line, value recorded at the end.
11,35
